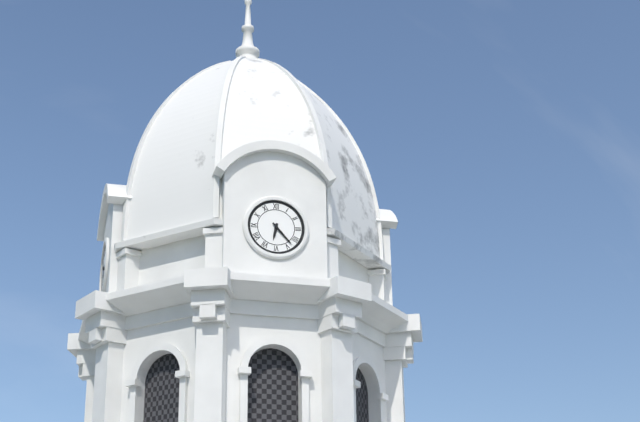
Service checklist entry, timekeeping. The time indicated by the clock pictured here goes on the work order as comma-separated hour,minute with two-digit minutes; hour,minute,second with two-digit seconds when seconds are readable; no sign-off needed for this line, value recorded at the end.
6,23
